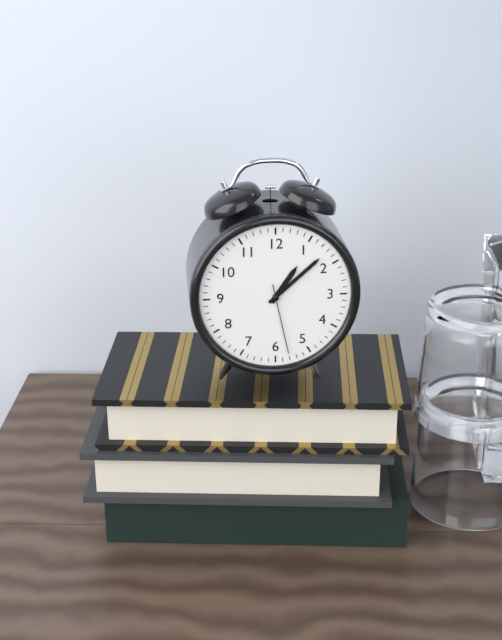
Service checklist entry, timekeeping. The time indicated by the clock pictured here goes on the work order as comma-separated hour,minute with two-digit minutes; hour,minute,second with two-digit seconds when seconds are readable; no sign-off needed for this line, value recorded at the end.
1,08,28
